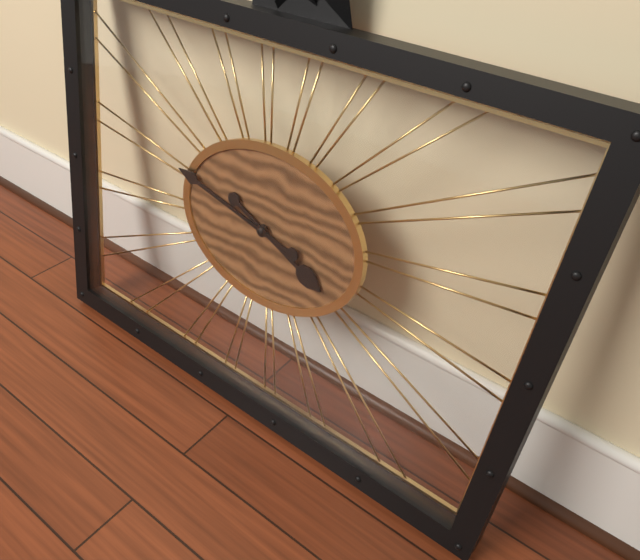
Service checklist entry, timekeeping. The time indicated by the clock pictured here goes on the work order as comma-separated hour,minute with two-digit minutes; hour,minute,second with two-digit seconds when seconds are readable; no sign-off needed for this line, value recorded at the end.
3,47
